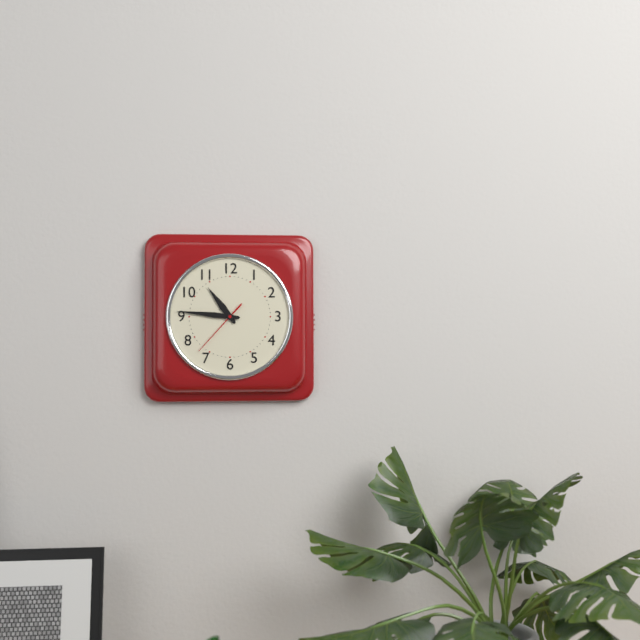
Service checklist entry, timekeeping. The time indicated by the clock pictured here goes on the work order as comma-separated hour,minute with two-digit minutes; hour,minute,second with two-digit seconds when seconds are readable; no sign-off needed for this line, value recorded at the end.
10,46,37
